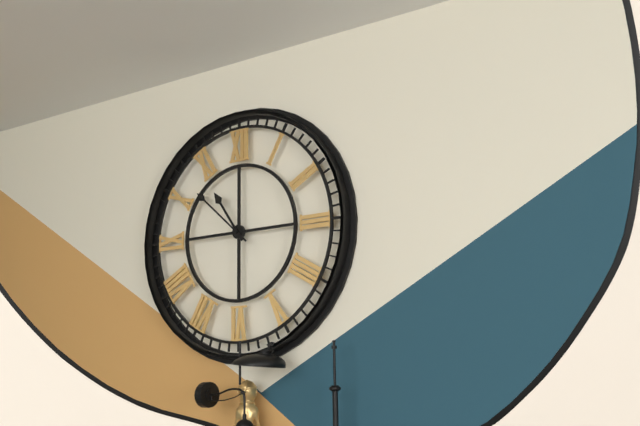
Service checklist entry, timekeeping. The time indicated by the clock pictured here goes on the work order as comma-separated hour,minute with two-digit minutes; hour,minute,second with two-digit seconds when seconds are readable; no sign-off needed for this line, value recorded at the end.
10,52
